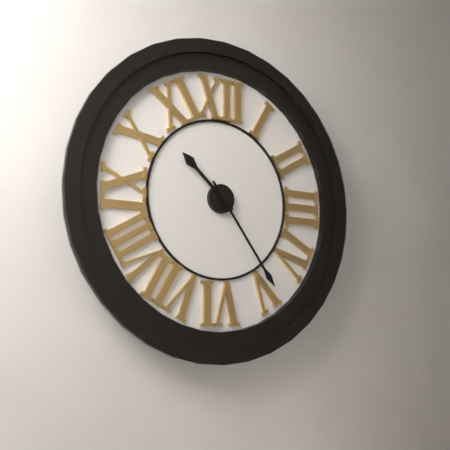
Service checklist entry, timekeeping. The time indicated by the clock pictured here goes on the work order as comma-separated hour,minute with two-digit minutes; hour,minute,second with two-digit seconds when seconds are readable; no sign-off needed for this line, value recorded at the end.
10,24
